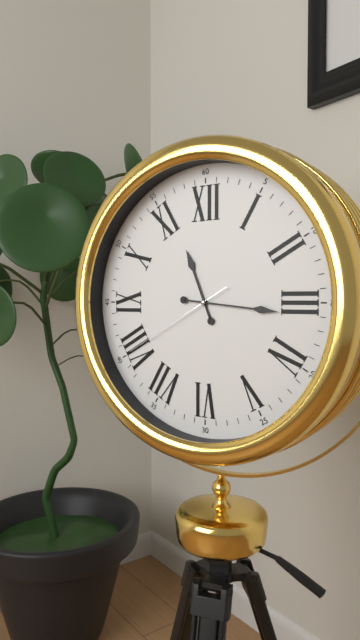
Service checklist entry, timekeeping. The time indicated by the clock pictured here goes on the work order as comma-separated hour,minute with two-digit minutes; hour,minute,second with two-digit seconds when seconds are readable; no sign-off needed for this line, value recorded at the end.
11,16,40
